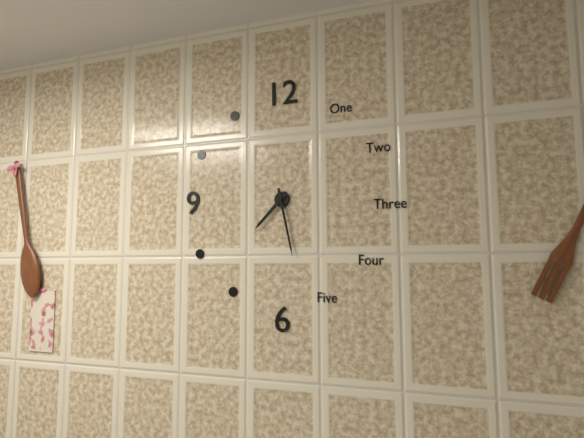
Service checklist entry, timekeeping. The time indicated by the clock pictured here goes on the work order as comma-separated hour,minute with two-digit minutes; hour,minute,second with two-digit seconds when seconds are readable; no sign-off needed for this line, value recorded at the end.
7,28
